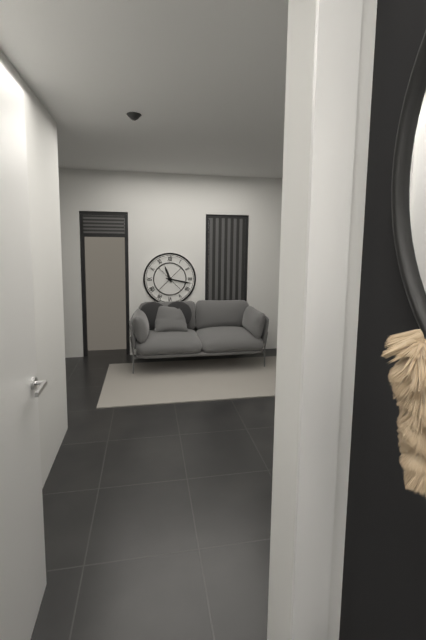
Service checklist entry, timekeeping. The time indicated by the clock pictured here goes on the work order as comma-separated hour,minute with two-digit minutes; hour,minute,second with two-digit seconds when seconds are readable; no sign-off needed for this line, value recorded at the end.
11,17
